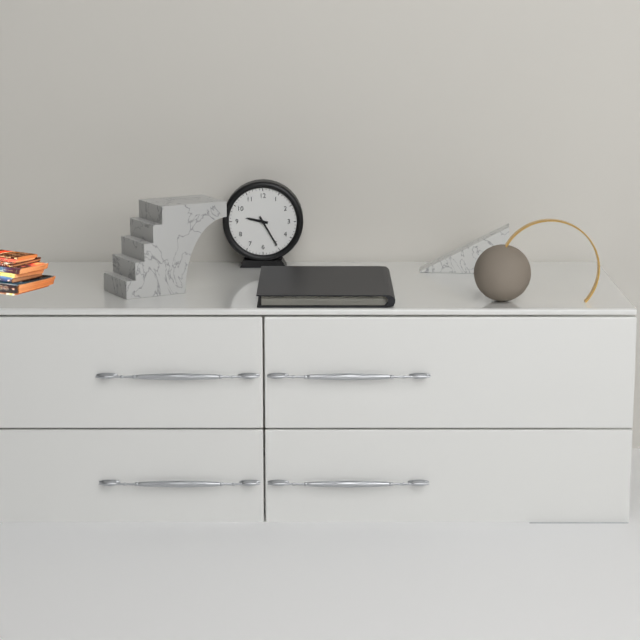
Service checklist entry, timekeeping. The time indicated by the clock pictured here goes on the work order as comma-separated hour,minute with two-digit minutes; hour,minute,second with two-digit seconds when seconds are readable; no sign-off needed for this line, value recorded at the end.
9,25
